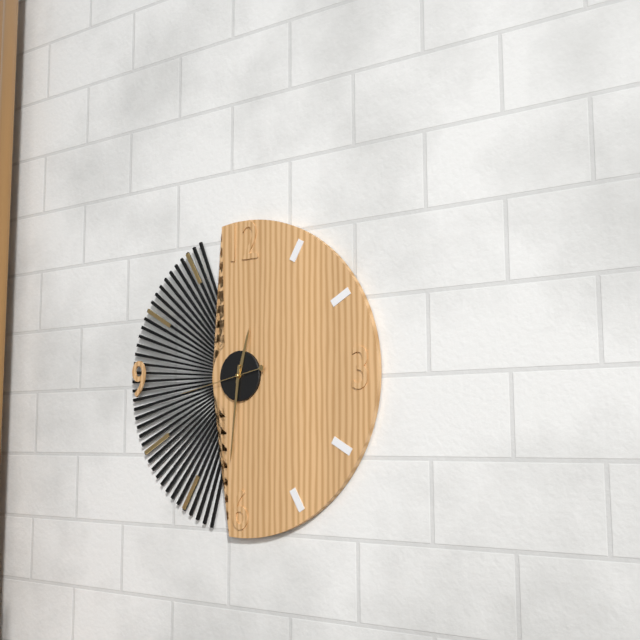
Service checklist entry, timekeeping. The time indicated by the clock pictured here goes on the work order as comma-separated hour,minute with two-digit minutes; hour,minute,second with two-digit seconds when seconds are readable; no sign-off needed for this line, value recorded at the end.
12,31,43
